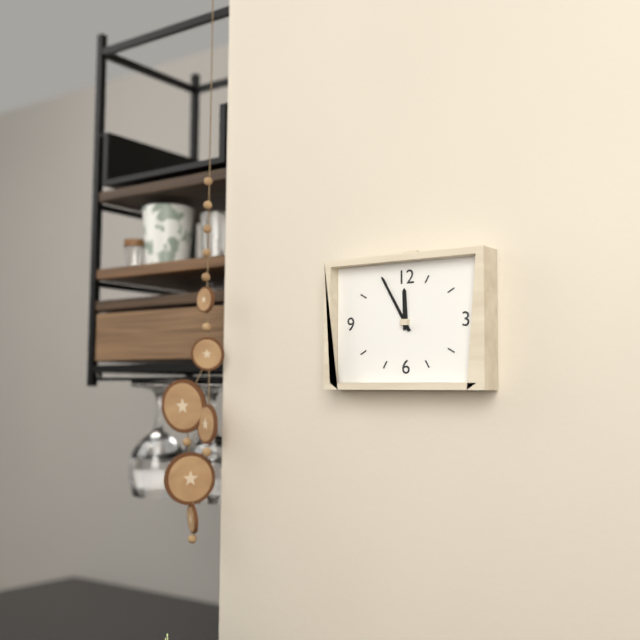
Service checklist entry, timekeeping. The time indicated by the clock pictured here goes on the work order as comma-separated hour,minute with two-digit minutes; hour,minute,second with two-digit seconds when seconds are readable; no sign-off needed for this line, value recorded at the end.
11,55
